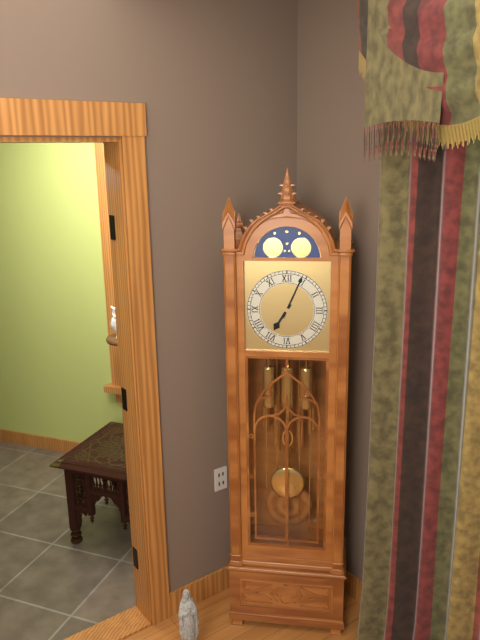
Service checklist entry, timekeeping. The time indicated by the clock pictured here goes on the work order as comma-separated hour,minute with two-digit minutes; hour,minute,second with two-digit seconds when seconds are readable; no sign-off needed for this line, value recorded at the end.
7,04
